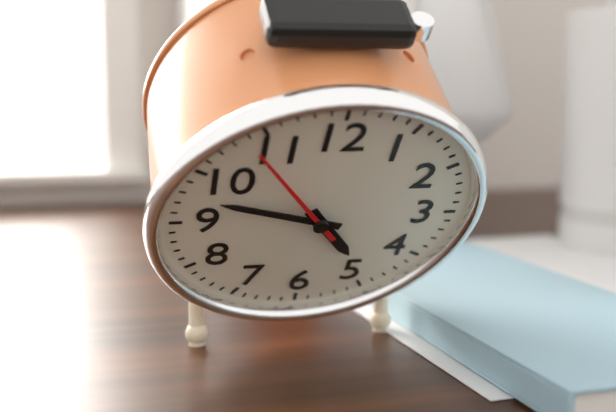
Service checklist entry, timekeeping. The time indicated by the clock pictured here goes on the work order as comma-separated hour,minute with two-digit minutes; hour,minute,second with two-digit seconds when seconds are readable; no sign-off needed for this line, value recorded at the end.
4,48,54
